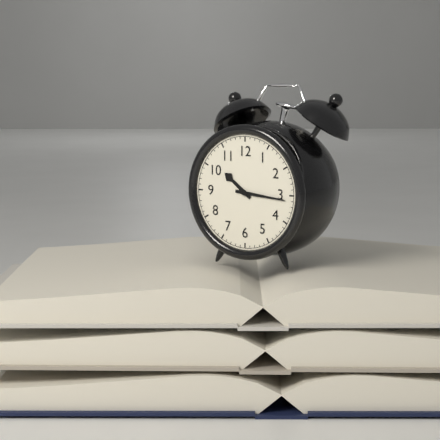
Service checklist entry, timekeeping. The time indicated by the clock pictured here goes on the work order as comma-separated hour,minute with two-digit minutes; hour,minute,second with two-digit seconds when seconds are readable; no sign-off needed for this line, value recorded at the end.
10,16
